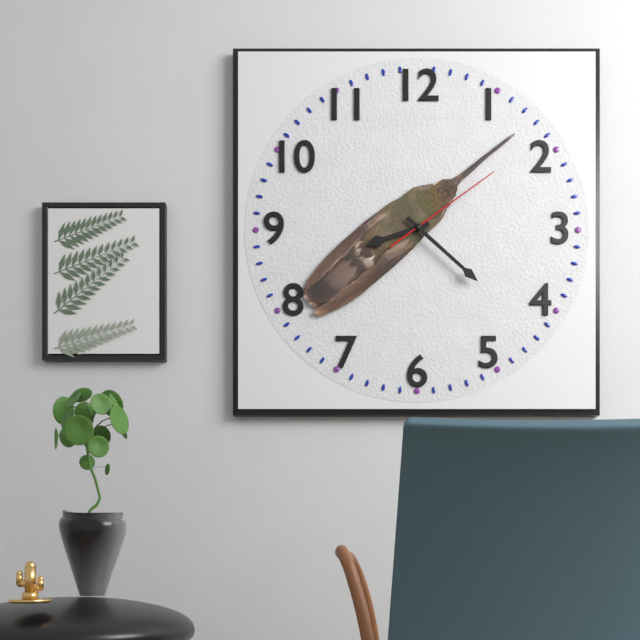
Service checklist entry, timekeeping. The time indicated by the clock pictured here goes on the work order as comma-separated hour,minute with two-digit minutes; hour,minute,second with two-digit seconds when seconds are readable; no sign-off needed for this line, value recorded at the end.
8,22,09
